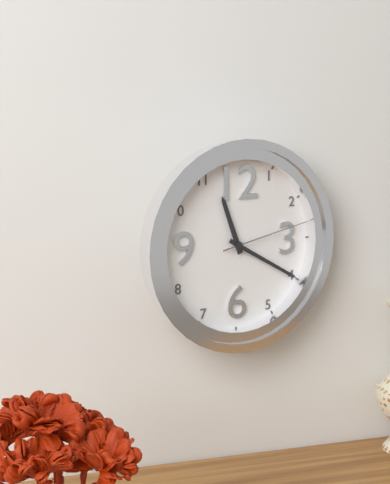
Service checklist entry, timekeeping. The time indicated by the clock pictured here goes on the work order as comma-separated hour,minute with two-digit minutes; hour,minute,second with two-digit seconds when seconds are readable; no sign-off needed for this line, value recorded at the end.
11,20,13
